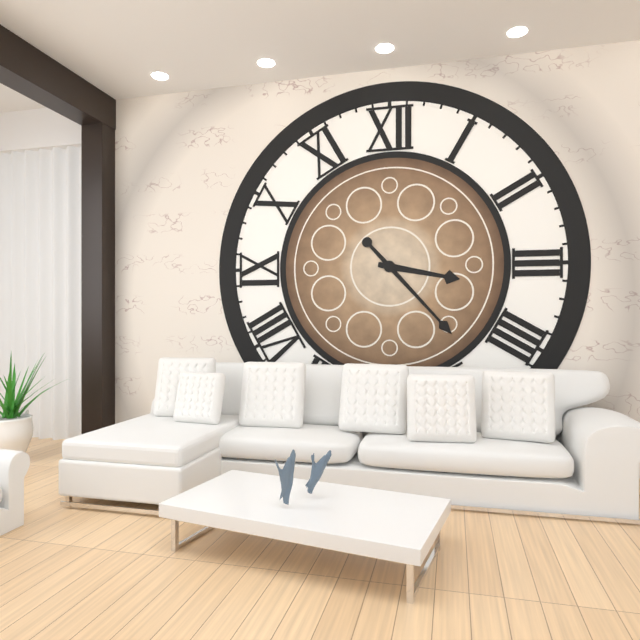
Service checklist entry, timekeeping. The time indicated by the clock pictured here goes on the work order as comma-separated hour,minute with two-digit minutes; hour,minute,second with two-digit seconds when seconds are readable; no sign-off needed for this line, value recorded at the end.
3,23
